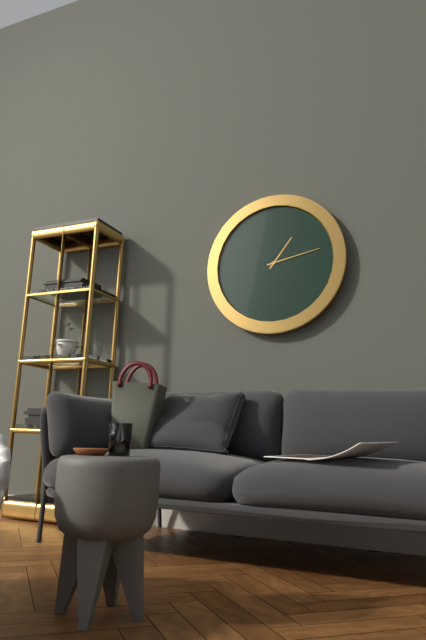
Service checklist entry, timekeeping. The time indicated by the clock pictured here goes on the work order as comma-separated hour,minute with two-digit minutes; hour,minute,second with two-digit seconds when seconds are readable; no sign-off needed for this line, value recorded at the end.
1,13
